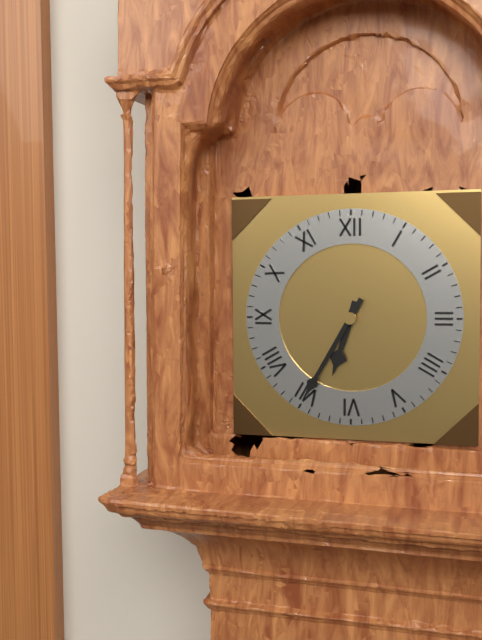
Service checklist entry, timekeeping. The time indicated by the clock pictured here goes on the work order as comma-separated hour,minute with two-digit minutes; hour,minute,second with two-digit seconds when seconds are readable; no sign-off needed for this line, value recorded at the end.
6,35
